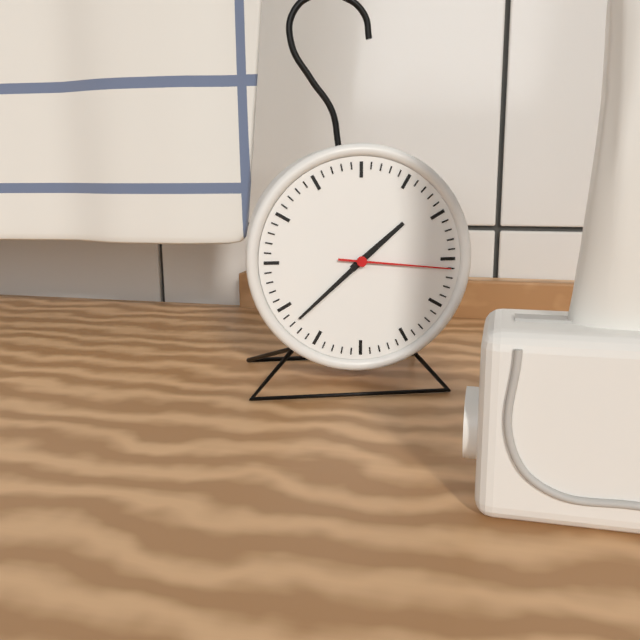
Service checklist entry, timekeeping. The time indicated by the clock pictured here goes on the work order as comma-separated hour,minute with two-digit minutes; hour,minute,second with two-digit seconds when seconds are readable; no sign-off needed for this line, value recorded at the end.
1,38,16
